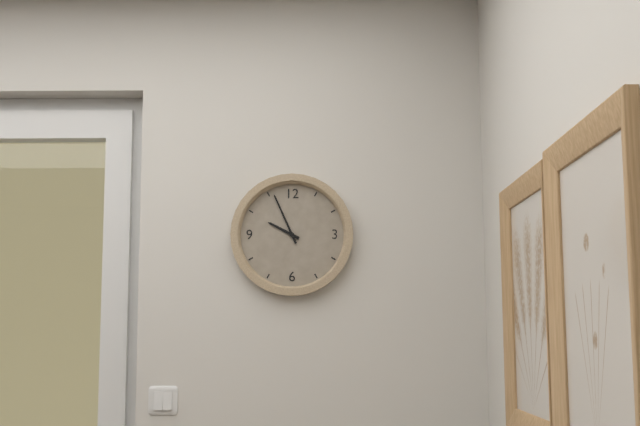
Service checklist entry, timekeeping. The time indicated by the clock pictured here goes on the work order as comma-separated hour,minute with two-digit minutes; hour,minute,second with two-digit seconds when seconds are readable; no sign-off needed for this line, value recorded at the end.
9,56
